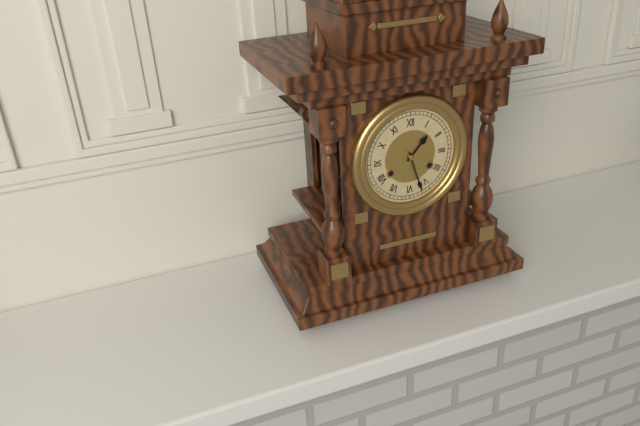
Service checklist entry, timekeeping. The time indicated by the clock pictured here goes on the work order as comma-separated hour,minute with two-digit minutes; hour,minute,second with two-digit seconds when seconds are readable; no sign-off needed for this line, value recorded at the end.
1,27
